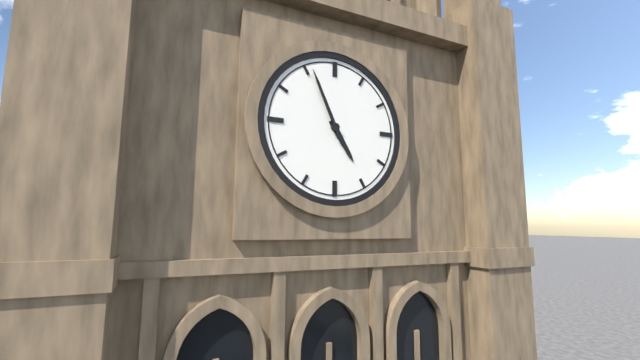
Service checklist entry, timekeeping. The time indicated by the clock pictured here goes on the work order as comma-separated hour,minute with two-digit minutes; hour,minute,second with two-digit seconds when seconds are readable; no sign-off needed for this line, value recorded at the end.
4,56
